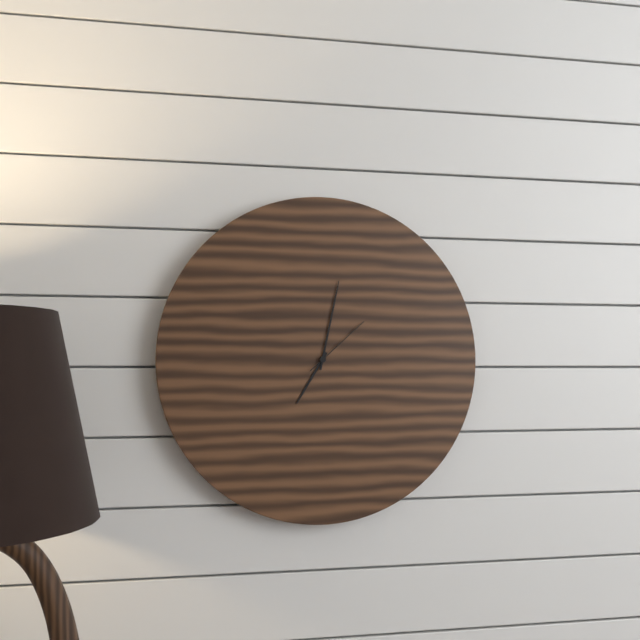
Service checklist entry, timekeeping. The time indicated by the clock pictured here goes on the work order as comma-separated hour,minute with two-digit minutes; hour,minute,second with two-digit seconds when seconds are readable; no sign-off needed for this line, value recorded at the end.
7,02,08
